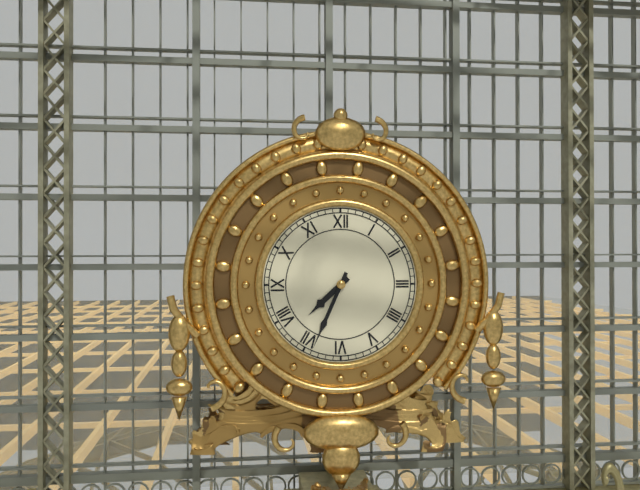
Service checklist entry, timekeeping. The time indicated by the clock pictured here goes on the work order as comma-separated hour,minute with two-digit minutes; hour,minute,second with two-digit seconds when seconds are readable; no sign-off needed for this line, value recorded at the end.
7,34
